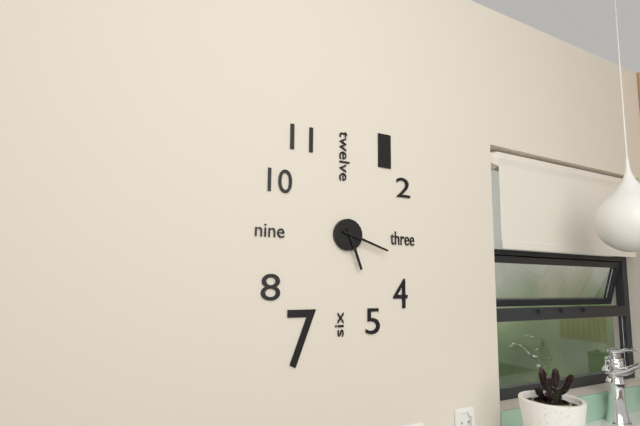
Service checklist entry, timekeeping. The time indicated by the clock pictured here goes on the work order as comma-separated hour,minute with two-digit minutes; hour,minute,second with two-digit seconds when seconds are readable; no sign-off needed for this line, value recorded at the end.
5,18
